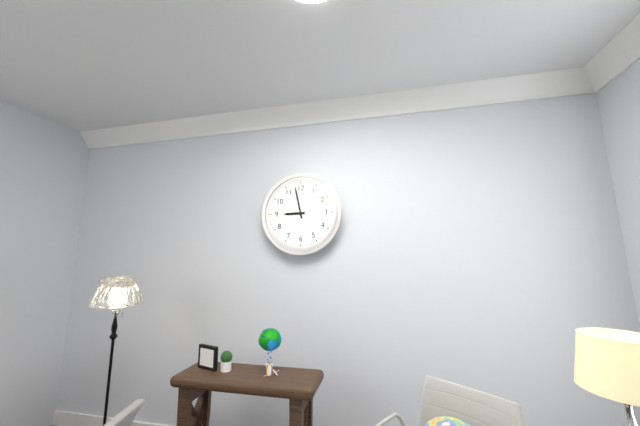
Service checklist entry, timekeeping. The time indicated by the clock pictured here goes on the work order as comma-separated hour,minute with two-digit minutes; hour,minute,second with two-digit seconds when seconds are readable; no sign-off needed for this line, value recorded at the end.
8,58
